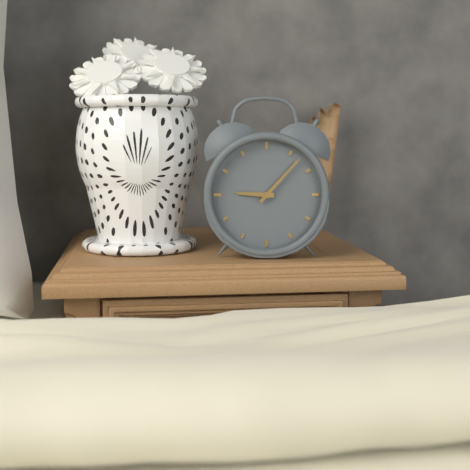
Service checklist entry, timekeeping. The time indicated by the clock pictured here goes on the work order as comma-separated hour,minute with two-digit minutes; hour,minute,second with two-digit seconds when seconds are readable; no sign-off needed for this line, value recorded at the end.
9,07
